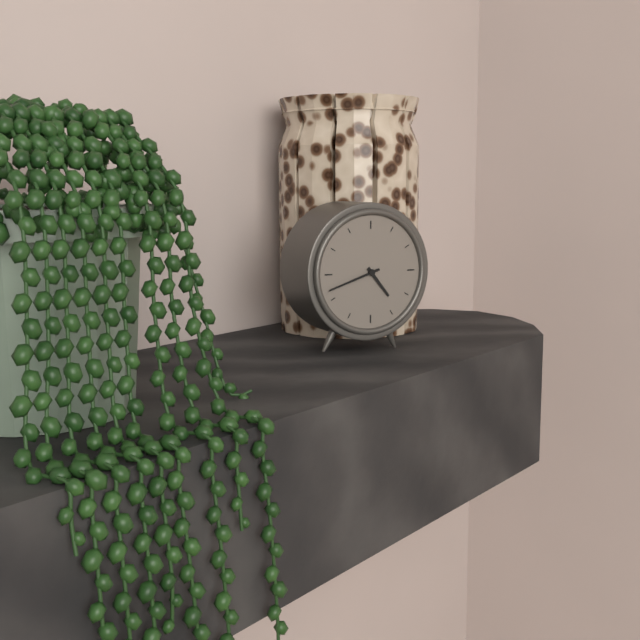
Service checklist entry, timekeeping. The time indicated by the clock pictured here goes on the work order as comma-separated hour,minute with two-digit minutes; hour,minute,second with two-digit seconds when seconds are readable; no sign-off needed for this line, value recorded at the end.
4,42
